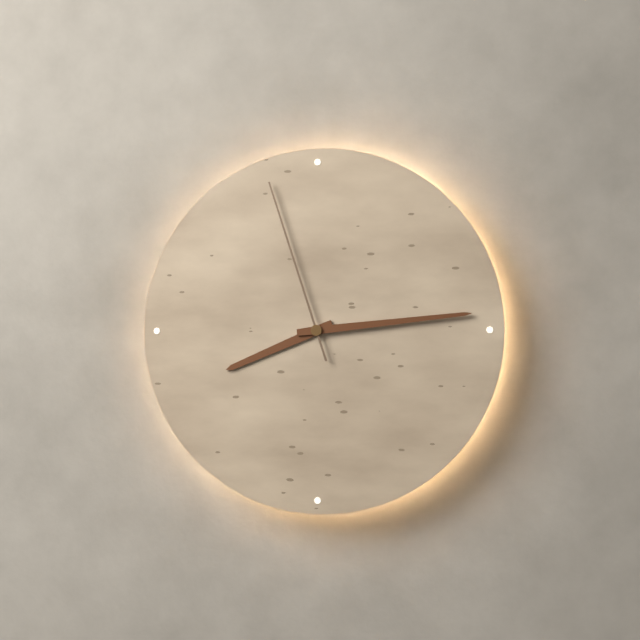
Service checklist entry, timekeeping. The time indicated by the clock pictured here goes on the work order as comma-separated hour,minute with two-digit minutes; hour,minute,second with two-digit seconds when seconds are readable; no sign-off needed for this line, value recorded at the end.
8,14,57
